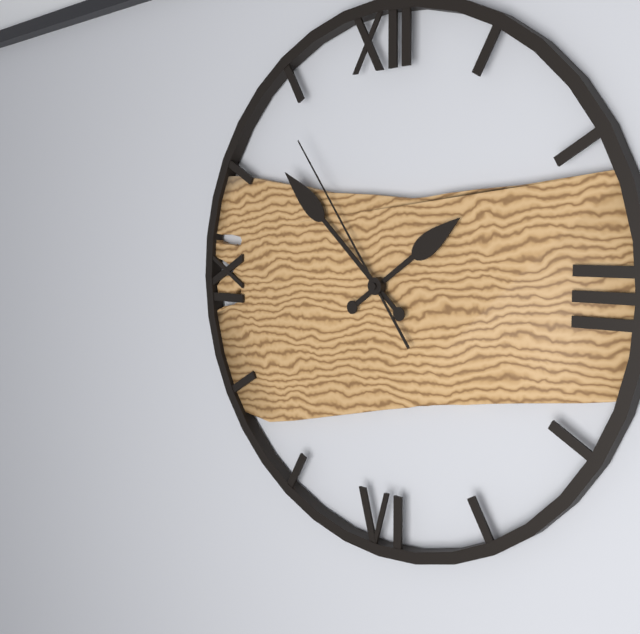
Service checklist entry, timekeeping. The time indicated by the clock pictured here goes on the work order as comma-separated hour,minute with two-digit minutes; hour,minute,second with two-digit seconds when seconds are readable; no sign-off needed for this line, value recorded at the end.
1,52,54
